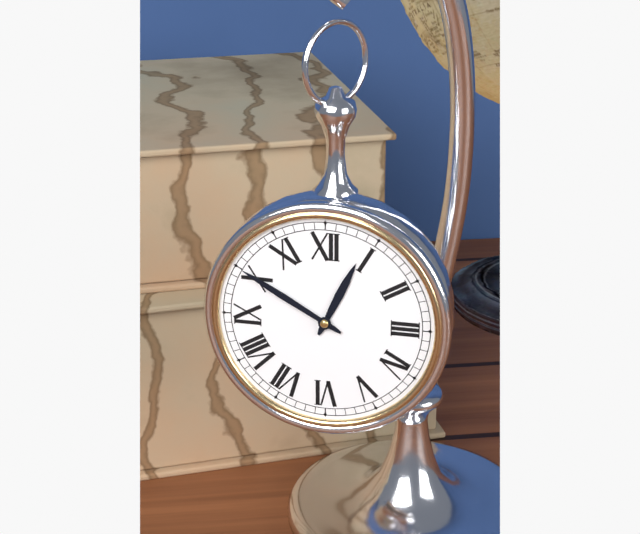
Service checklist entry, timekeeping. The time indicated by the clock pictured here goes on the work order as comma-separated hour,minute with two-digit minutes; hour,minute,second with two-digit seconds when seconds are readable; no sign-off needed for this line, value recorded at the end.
12,50
